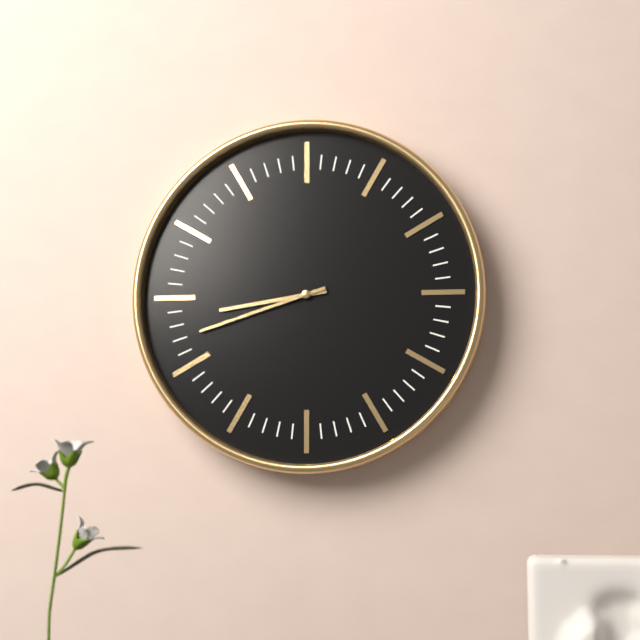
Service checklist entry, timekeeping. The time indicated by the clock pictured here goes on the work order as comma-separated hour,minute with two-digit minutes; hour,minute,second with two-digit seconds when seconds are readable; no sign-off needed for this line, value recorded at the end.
8,42
